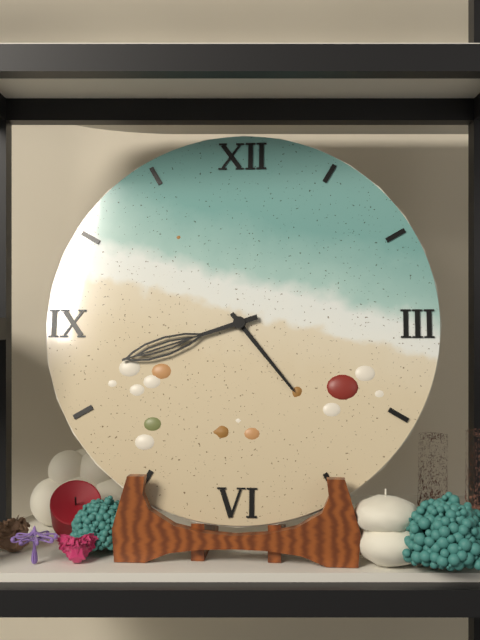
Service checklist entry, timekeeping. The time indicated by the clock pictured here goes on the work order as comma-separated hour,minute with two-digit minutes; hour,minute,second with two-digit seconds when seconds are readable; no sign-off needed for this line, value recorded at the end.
4,42
